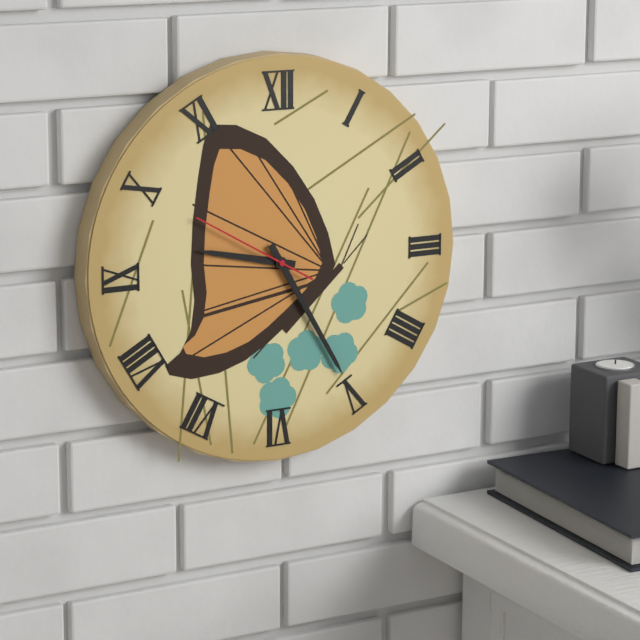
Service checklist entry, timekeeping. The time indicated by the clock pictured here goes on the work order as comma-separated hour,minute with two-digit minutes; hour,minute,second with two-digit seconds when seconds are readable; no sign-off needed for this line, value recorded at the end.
9,25,50
